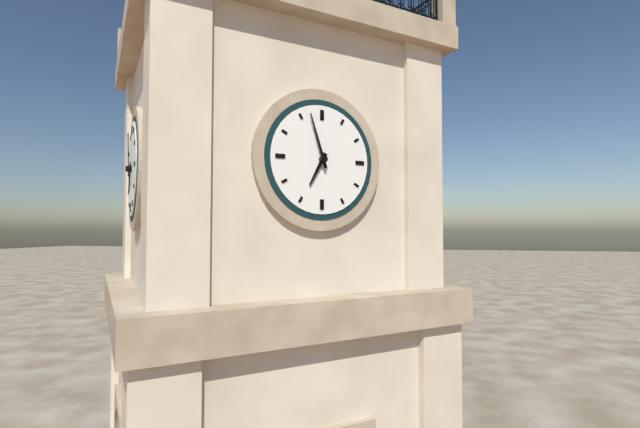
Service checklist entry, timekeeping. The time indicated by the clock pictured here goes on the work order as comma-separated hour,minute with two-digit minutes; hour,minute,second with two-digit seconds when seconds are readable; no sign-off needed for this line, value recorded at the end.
6,57
